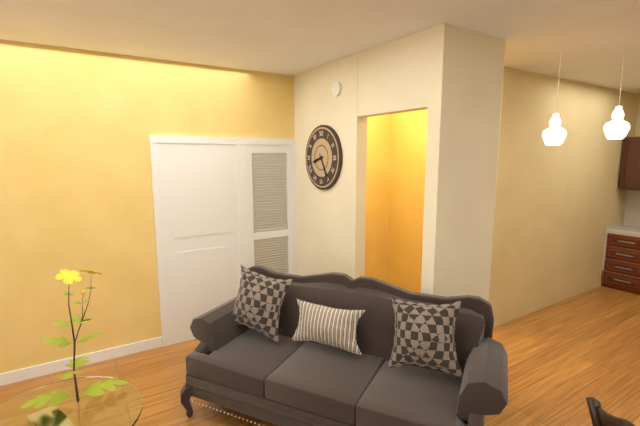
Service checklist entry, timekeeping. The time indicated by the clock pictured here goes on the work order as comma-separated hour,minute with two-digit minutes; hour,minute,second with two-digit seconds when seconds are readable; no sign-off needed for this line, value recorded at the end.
8,25
